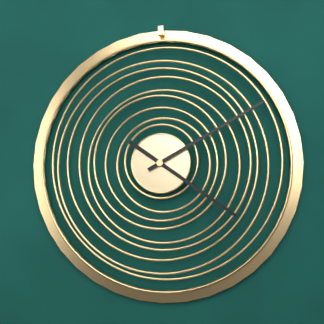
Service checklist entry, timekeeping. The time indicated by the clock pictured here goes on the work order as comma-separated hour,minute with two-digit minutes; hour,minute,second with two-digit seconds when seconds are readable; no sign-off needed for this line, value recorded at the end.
4,10
